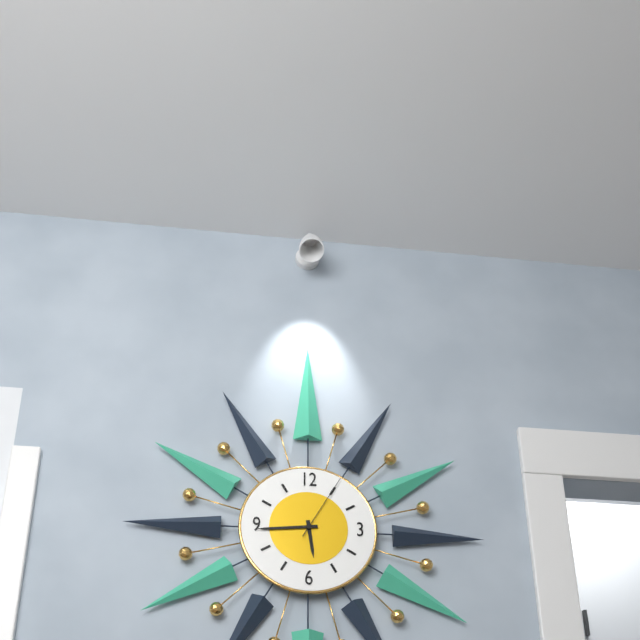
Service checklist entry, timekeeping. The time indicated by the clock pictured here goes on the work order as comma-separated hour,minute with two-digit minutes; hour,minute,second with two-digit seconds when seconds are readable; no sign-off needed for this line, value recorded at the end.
5,44,05
